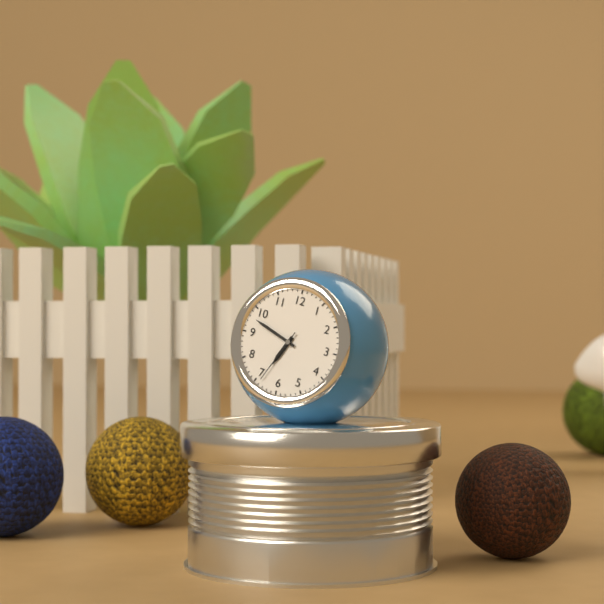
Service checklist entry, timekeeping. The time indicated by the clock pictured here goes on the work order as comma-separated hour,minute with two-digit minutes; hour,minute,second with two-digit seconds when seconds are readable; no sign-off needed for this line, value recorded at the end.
6,48,34
